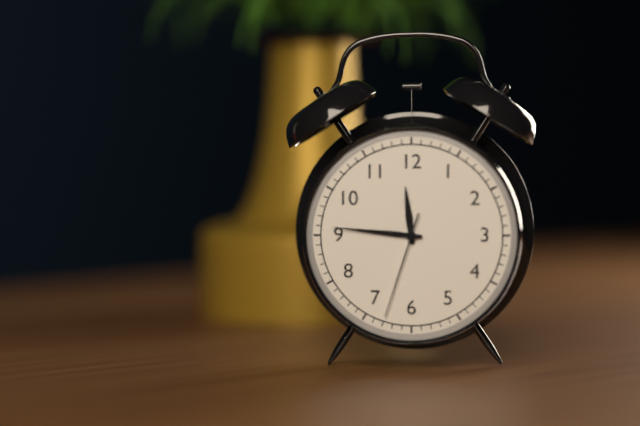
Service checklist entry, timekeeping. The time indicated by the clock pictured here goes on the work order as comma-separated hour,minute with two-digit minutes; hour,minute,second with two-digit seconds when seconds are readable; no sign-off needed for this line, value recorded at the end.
11,46,33
